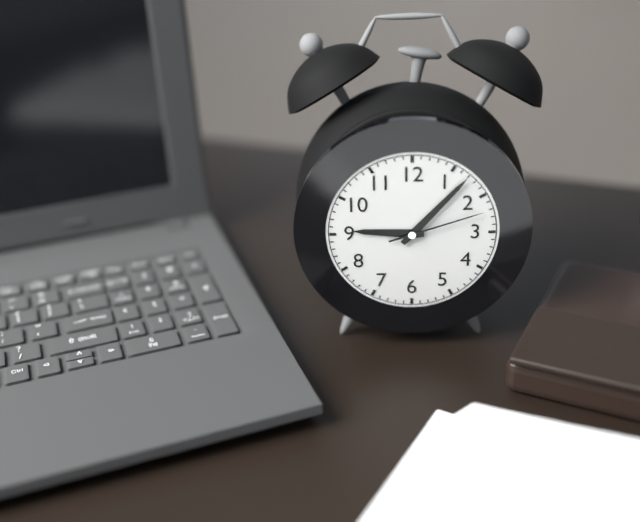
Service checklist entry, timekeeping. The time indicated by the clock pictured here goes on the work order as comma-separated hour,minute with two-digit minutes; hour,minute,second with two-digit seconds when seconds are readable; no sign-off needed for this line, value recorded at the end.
9,07,12
